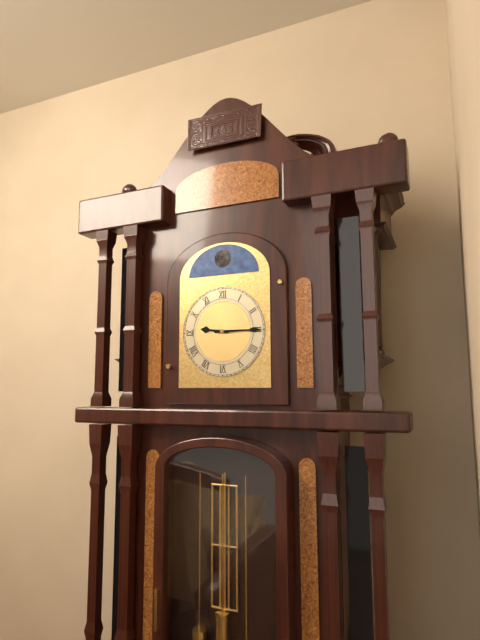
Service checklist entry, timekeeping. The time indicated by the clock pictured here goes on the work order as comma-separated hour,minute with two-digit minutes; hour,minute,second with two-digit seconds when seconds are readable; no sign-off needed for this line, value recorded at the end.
9,15
